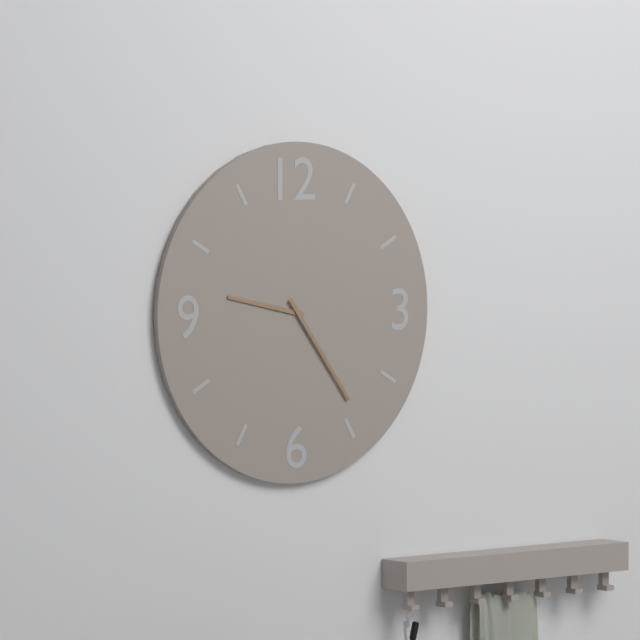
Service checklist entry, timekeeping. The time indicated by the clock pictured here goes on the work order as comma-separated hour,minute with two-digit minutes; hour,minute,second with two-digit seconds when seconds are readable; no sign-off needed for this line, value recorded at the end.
9,24
